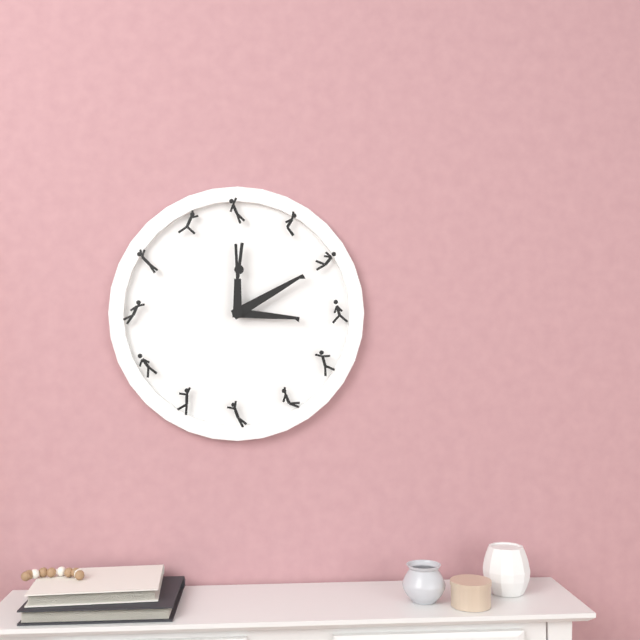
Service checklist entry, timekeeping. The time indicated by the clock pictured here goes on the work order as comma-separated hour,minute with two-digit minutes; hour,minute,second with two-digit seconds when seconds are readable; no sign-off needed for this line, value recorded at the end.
3,10
